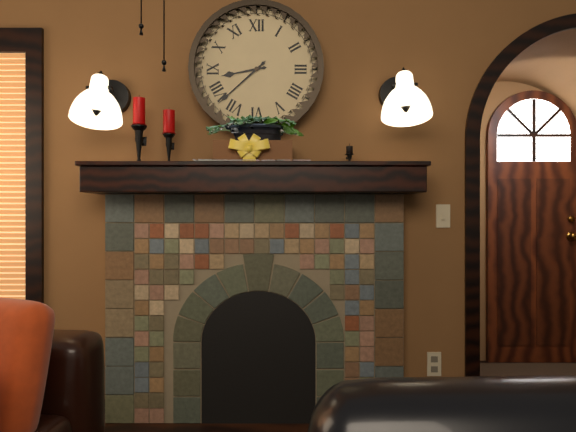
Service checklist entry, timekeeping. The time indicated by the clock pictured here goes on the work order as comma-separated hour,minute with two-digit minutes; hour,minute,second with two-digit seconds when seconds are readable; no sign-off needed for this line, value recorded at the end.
8,38
